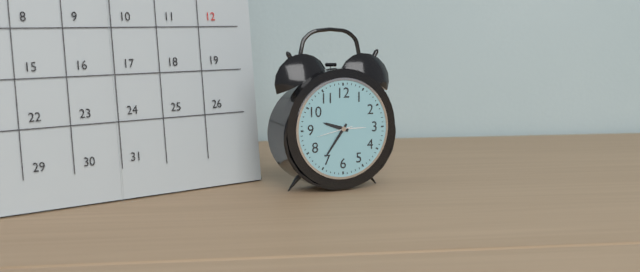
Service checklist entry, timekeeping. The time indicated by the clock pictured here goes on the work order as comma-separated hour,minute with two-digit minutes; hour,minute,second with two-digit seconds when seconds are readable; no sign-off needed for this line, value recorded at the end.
9,36
